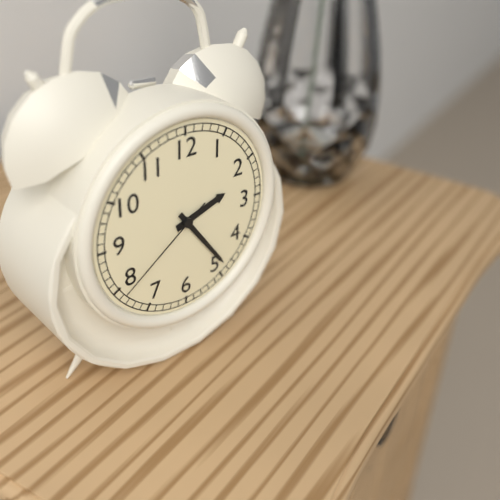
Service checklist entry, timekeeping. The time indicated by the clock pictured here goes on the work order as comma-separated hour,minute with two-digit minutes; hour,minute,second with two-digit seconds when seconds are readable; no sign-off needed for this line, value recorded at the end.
2,24,39
